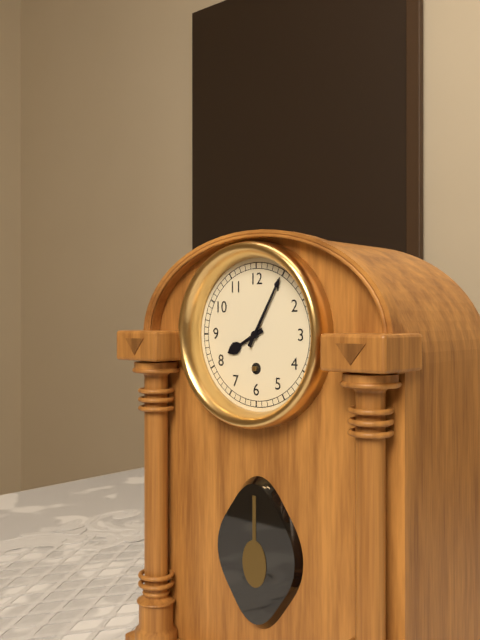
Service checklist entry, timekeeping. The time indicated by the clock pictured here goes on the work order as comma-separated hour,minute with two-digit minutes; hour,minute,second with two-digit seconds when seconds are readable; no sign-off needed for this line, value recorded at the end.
8,05
